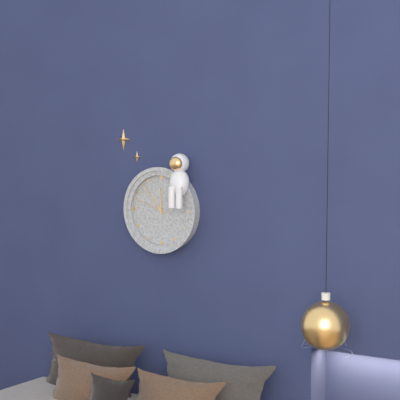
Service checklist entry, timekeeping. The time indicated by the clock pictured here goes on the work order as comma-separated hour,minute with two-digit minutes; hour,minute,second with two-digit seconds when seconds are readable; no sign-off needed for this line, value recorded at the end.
11,53
